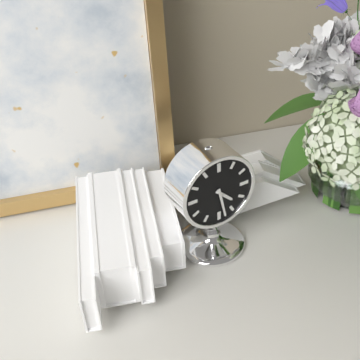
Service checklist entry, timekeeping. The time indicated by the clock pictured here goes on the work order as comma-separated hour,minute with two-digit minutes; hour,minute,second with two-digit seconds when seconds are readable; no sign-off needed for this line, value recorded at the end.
4,28
